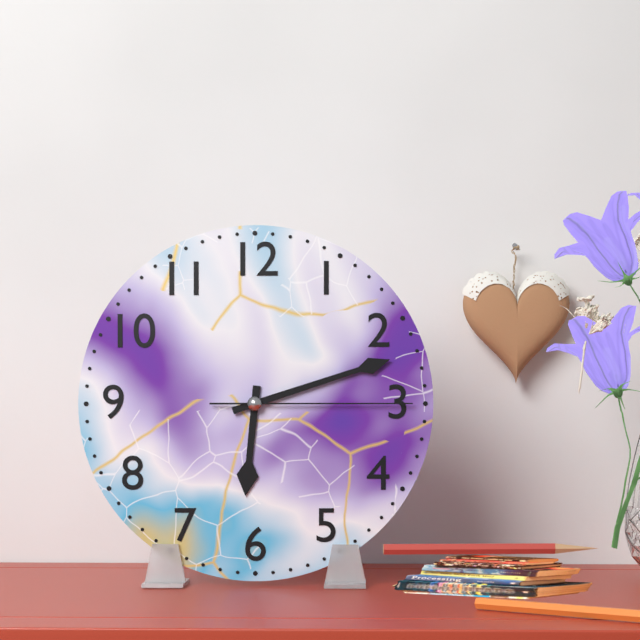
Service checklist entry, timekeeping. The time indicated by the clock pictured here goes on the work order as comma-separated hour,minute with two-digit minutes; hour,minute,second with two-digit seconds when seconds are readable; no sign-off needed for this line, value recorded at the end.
6,12,15
